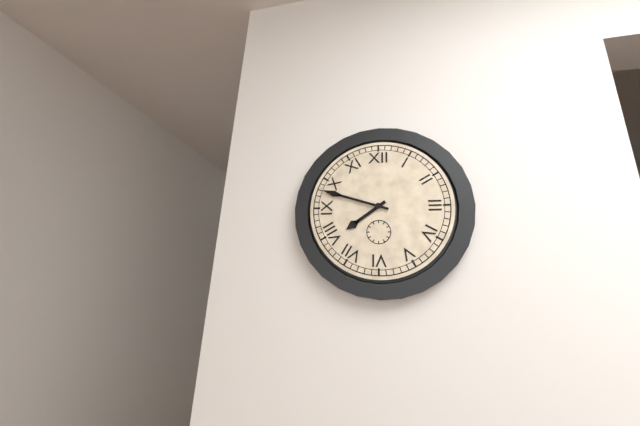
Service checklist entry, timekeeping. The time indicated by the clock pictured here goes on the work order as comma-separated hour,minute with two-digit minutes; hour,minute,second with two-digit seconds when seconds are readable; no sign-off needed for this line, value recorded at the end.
7,48
